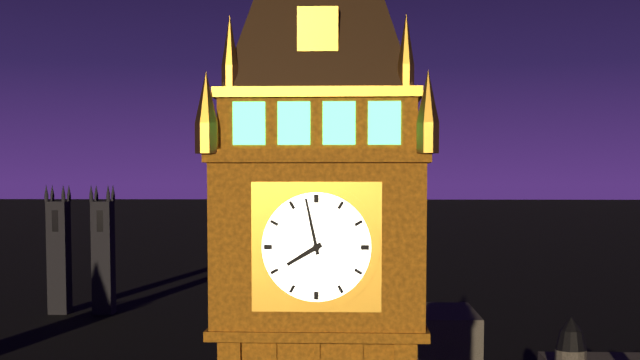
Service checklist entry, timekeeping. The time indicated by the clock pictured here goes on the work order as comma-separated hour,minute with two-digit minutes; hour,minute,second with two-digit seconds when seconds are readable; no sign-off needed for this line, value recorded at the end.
7,58
